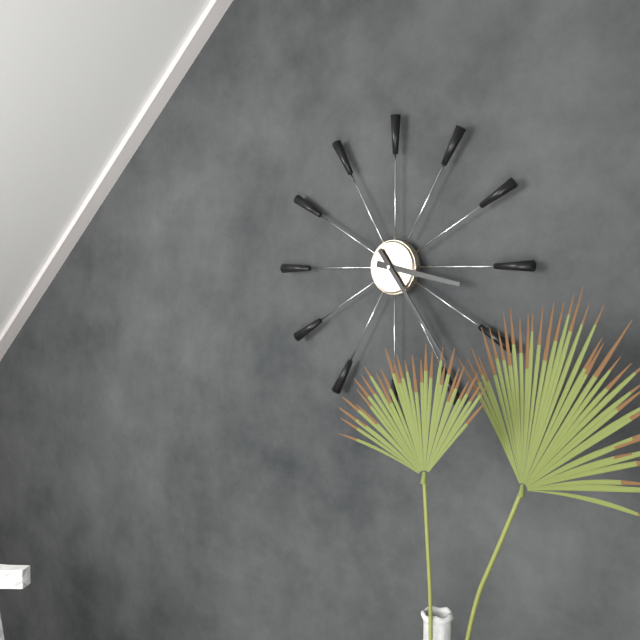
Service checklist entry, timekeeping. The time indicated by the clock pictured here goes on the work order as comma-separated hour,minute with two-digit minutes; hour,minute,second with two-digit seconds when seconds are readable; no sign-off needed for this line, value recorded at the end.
3,24
